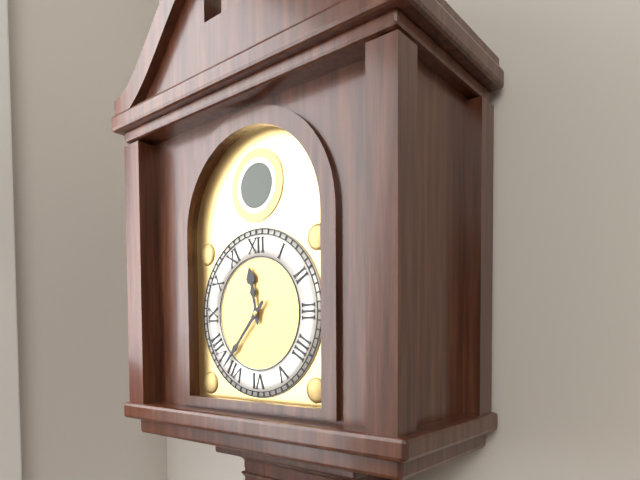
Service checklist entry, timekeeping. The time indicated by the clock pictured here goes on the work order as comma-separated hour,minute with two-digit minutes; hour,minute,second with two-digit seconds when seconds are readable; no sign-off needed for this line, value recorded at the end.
11,37
